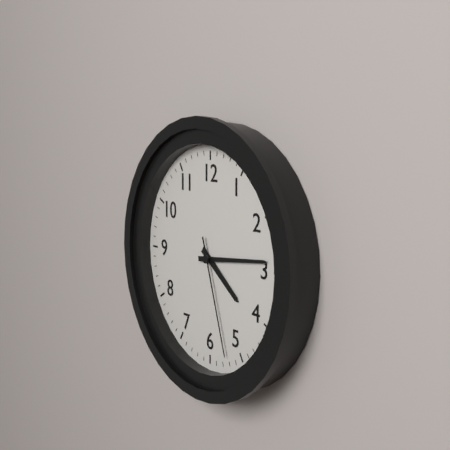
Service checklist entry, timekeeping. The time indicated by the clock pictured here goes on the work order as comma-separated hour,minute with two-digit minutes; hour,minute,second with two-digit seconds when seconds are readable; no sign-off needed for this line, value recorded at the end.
4,14,27
